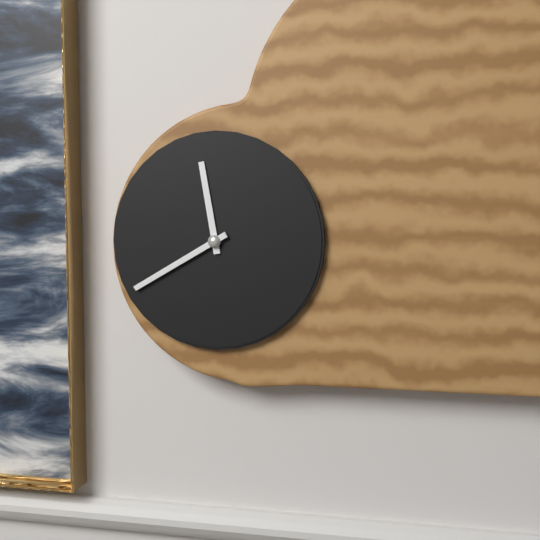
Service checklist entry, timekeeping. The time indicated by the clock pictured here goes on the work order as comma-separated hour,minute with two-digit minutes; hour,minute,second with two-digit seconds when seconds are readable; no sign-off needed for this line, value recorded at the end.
11,40
